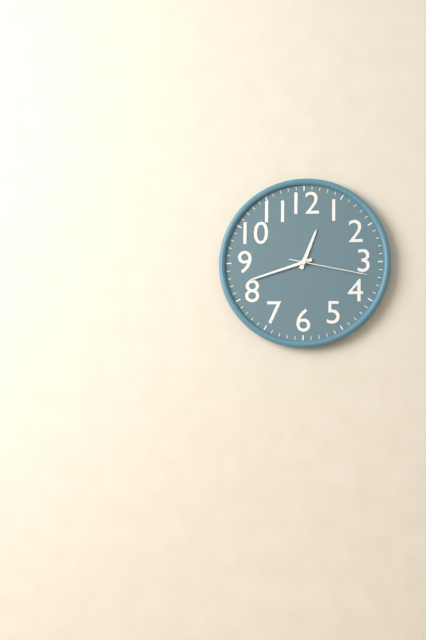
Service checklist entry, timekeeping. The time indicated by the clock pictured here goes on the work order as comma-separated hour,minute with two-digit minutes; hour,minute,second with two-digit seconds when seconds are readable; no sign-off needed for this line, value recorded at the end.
12,42,17
